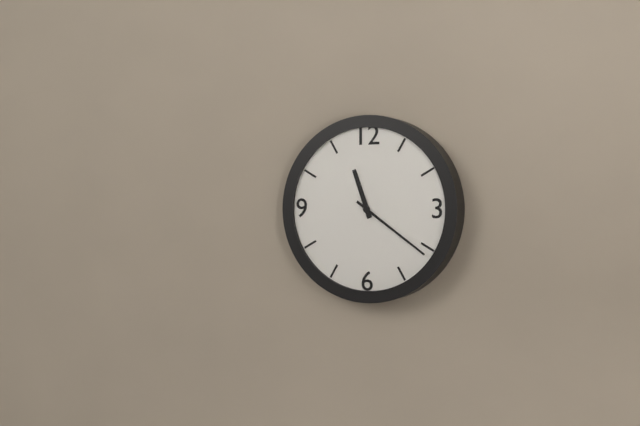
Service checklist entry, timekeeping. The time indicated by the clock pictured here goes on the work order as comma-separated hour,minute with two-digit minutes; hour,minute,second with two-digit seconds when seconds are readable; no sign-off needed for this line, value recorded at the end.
11,21
